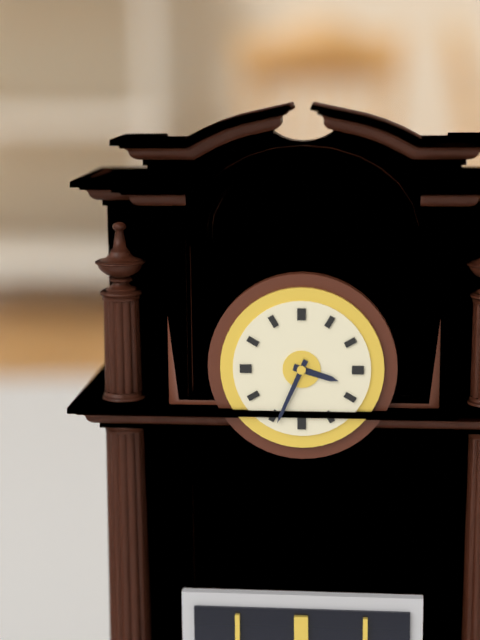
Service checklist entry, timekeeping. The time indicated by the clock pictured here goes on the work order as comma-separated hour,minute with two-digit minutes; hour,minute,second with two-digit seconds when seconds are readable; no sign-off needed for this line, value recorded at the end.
3,34
